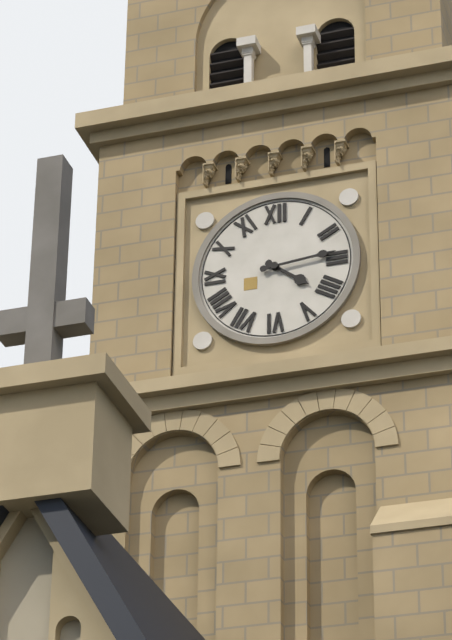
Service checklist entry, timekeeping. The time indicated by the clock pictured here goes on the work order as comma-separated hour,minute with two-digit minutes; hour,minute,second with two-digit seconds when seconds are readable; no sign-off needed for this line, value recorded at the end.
4,14
